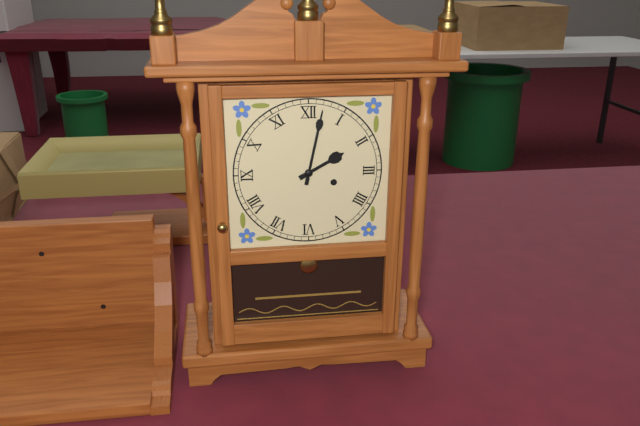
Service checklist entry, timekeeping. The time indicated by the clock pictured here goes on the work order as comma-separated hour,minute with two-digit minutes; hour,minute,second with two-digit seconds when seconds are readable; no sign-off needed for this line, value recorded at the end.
2,02
